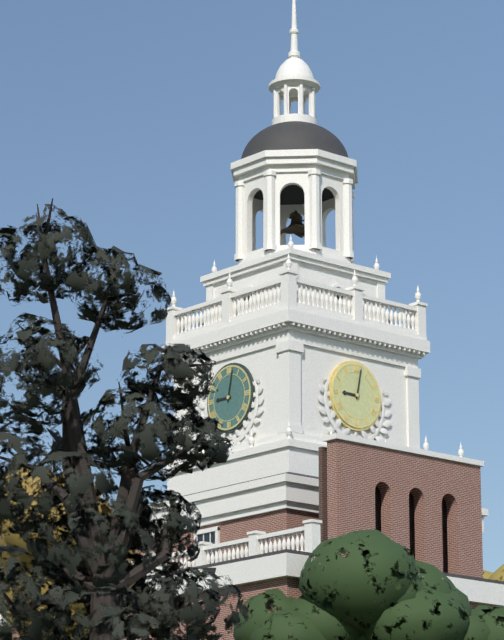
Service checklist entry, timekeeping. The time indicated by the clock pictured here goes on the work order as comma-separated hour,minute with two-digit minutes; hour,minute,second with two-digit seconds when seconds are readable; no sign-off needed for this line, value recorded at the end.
9,02
